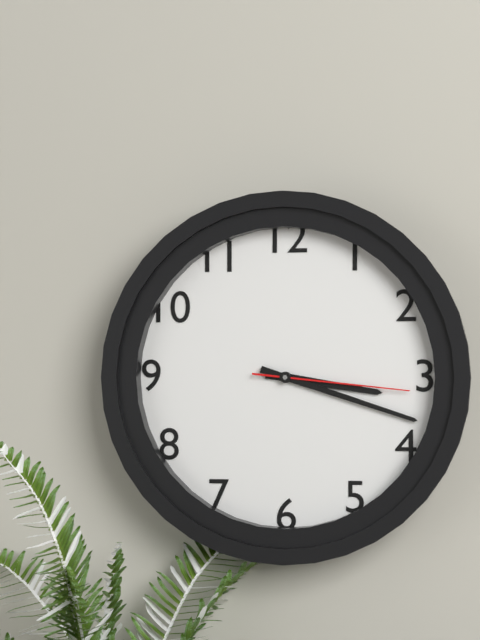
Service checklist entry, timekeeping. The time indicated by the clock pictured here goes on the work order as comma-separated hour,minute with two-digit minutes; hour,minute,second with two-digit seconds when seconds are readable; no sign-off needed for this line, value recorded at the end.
3,18,16
